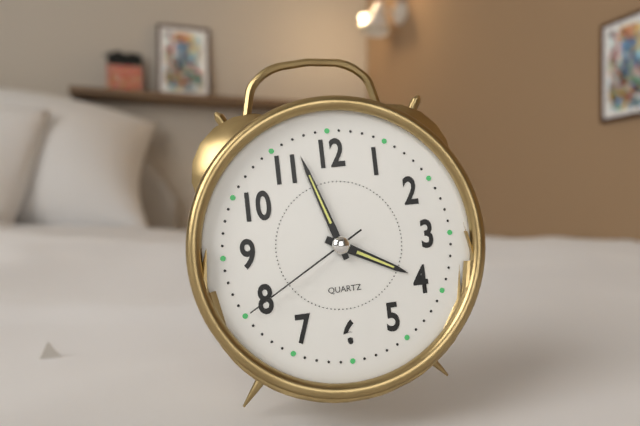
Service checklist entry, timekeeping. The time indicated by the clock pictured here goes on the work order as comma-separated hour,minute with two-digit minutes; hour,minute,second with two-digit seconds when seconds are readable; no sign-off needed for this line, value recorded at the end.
3,57,40
